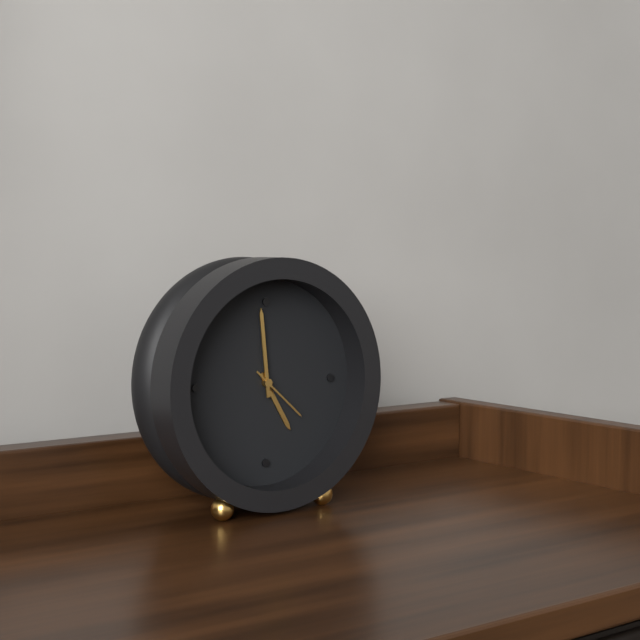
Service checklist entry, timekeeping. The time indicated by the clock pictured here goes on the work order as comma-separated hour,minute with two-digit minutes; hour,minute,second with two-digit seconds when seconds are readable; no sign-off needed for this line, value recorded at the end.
4,59,22
